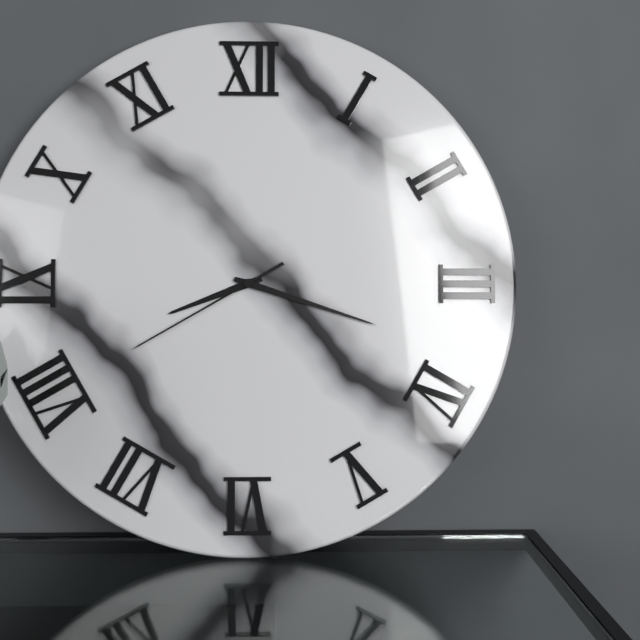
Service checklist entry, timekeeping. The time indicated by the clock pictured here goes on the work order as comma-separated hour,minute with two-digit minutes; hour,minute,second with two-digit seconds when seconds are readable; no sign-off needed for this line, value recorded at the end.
8,18,40
